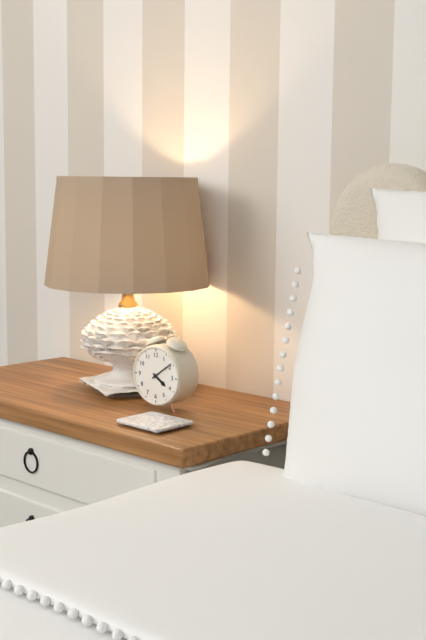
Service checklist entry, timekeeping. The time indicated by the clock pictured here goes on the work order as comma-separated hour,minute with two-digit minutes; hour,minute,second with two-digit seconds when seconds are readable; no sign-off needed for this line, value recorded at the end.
4,09
